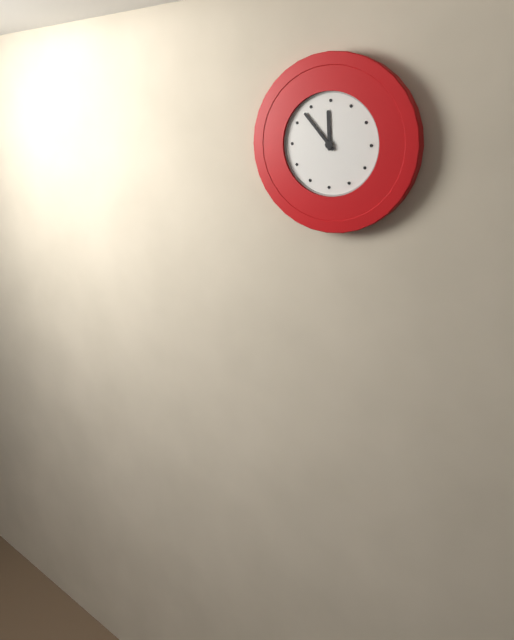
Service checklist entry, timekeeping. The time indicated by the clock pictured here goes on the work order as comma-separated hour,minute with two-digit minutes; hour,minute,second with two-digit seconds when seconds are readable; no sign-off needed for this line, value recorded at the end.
11,53
